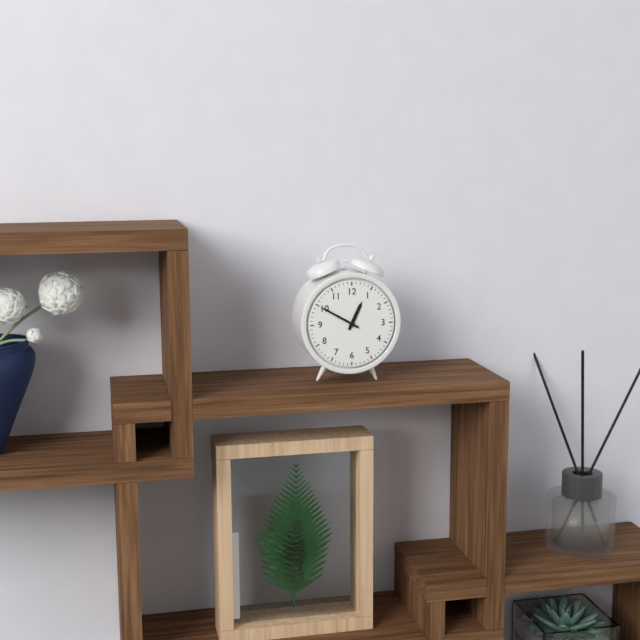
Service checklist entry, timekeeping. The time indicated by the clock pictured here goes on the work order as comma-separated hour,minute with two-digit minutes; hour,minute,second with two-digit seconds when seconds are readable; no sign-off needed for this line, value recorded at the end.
12,50
